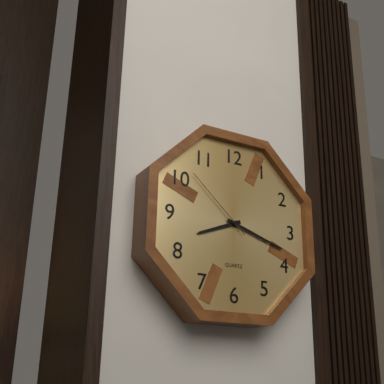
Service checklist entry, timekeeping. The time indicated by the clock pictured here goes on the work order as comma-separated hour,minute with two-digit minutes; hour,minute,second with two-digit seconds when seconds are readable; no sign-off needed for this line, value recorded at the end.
8,18,52
